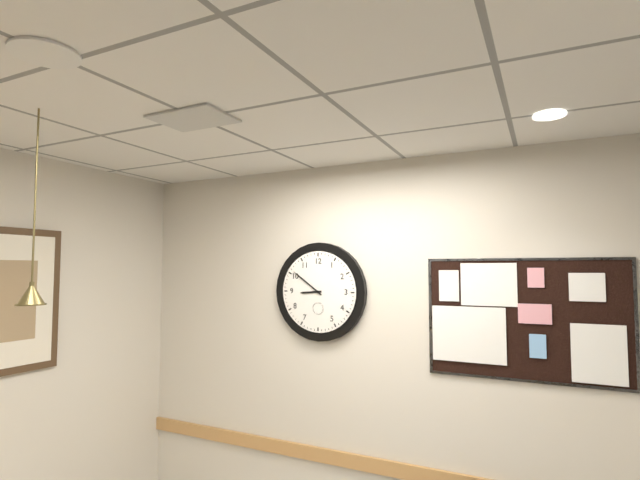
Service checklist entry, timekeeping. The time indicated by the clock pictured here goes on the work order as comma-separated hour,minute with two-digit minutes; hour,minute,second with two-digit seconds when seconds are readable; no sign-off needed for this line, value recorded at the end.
8,51
